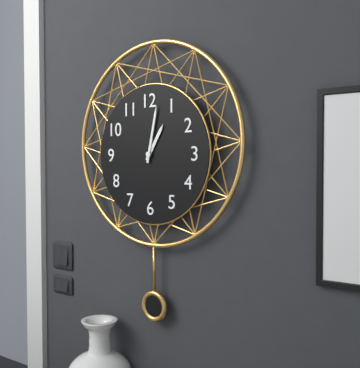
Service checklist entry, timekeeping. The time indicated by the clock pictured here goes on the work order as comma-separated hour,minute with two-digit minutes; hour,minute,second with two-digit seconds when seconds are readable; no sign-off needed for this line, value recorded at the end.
1,02
